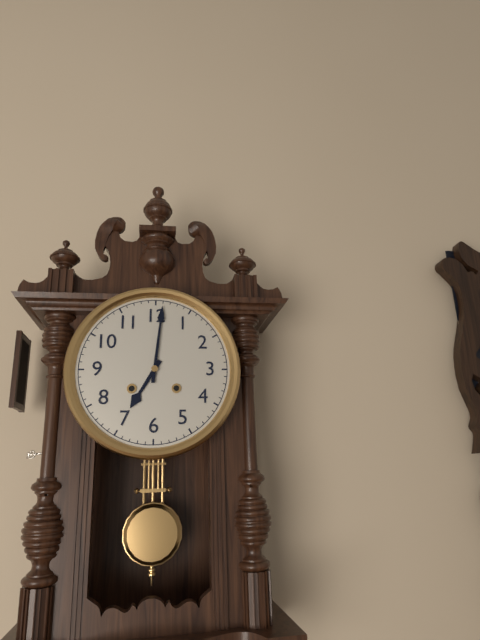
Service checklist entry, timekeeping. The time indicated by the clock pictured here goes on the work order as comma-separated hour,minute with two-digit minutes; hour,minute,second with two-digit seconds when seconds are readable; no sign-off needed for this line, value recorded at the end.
7,01
